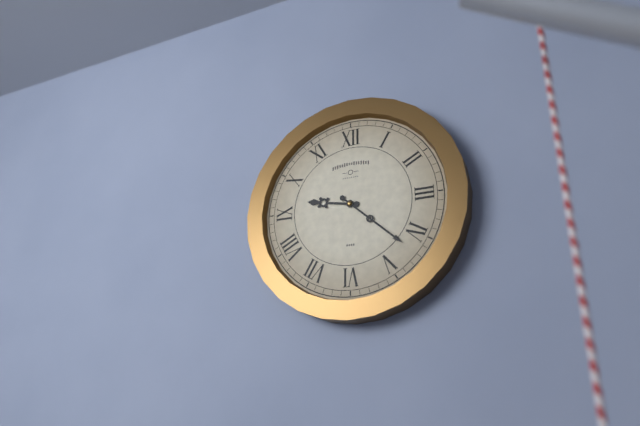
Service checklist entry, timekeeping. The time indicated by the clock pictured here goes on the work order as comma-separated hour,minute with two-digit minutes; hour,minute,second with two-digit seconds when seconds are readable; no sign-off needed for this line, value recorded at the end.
9,22
